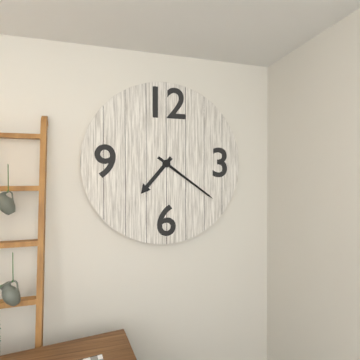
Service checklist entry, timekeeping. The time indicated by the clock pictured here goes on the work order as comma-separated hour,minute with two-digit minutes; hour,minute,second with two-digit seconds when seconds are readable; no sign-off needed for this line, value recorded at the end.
7,21
